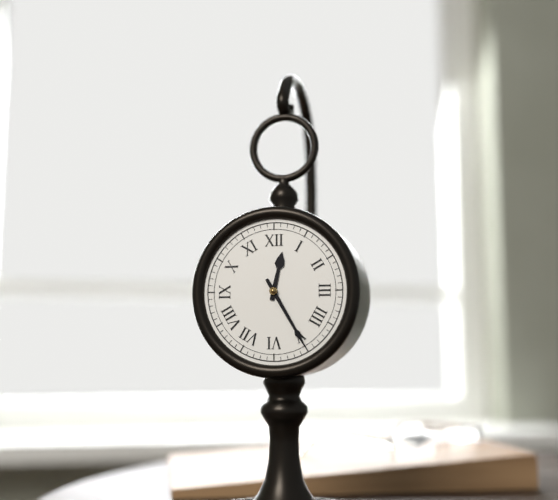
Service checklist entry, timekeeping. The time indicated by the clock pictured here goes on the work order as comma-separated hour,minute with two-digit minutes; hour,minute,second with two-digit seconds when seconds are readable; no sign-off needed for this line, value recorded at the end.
12,25
